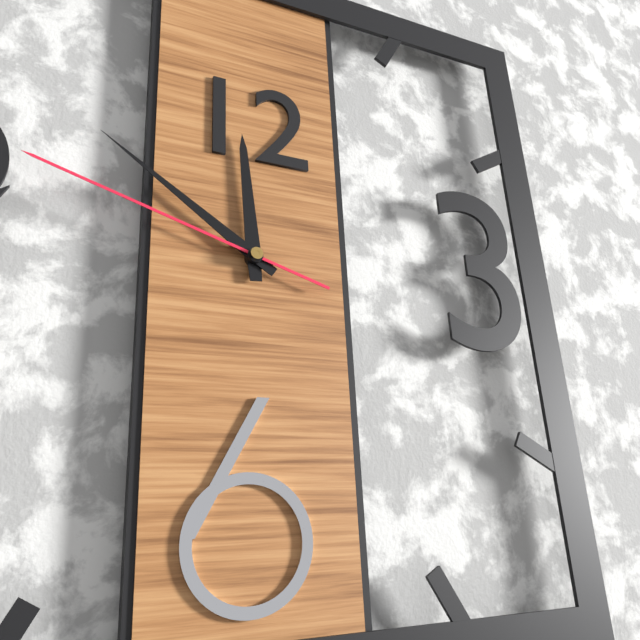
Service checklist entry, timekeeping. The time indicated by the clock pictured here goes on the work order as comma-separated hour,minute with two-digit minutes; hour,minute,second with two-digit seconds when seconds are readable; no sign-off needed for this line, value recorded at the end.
11,51,48
